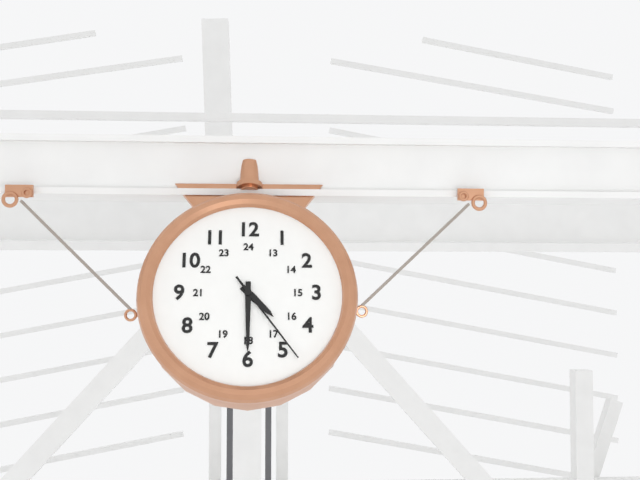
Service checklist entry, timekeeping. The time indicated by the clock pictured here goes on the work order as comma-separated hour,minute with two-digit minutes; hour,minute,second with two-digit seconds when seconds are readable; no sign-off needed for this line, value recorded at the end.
4,30,24
